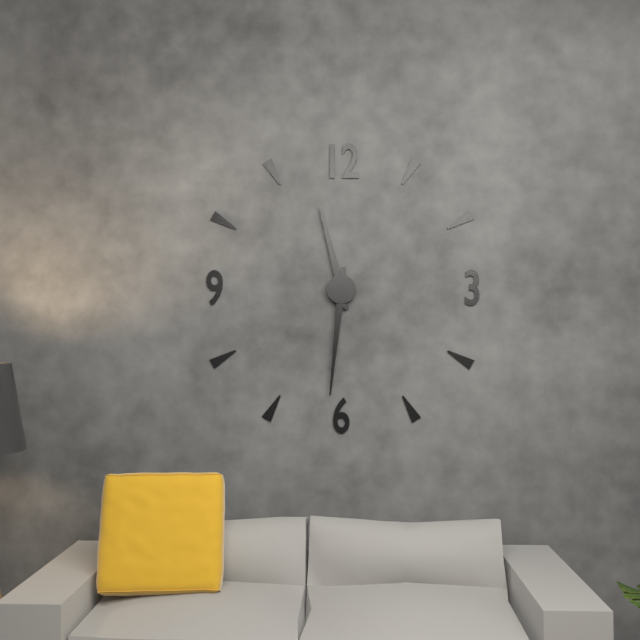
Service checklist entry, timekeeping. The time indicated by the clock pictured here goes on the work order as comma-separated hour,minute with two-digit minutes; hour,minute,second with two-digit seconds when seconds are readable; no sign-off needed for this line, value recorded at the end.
11,31
